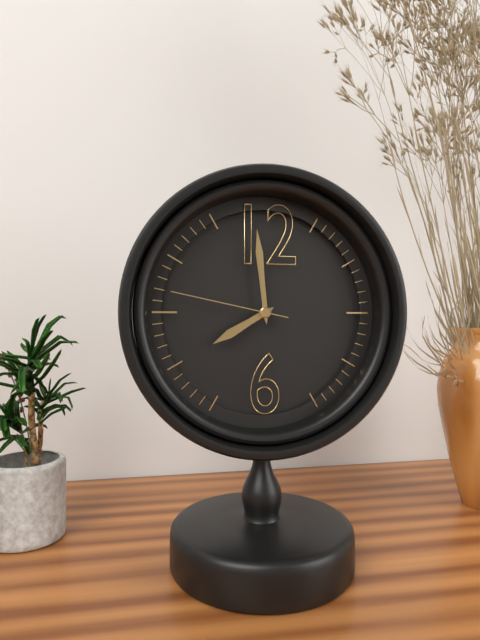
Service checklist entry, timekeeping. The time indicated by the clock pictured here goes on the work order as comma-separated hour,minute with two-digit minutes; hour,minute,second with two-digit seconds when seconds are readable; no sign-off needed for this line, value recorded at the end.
7,59,47
